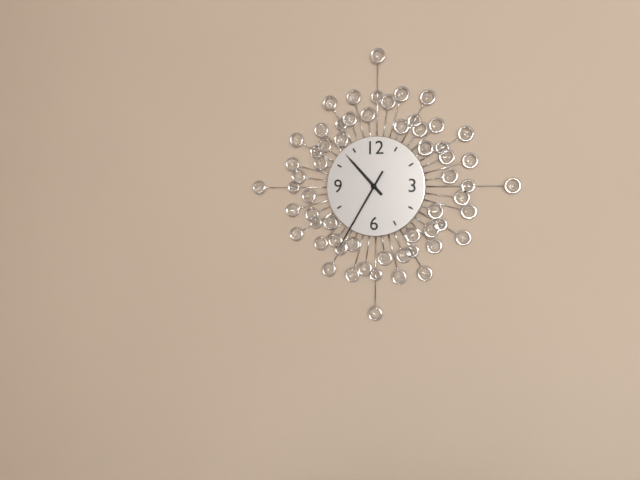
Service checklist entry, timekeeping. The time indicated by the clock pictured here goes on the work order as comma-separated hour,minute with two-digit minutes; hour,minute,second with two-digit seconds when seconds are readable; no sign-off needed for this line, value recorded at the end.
10,35
